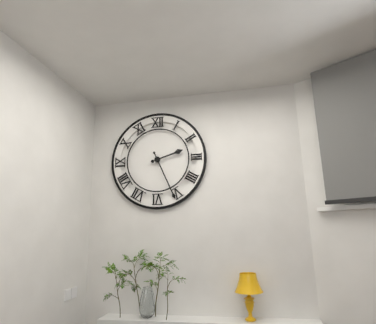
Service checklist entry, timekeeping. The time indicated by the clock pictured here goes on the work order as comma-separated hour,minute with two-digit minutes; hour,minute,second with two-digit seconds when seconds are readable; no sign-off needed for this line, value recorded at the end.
2,26
